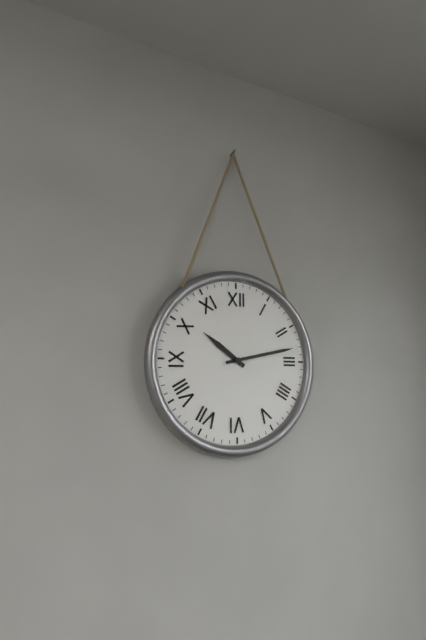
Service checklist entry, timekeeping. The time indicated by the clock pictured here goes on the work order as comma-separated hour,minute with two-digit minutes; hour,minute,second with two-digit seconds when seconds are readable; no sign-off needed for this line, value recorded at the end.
10,13
